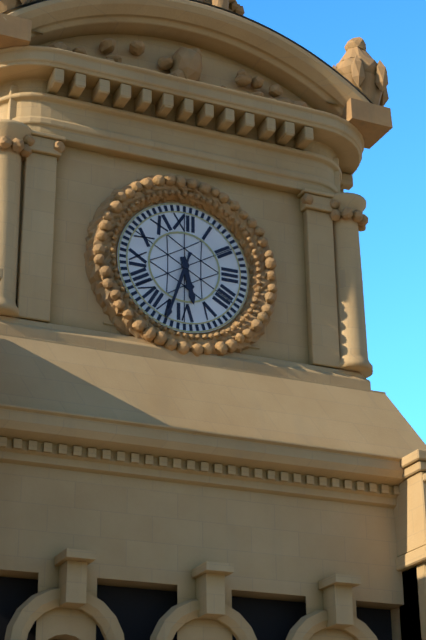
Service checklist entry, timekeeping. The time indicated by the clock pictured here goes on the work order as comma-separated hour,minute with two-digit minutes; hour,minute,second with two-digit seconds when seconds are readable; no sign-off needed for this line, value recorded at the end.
5,33
